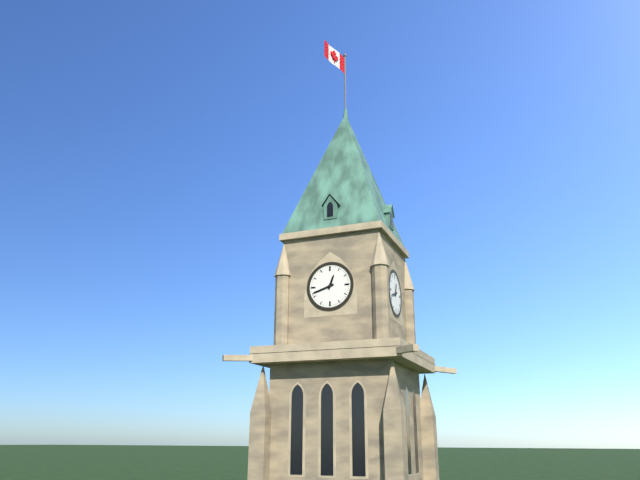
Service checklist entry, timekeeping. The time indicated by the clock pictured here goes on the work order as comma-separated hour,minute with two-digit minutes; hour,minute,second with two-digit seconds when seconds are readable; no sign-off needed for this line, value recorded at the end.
12,42
